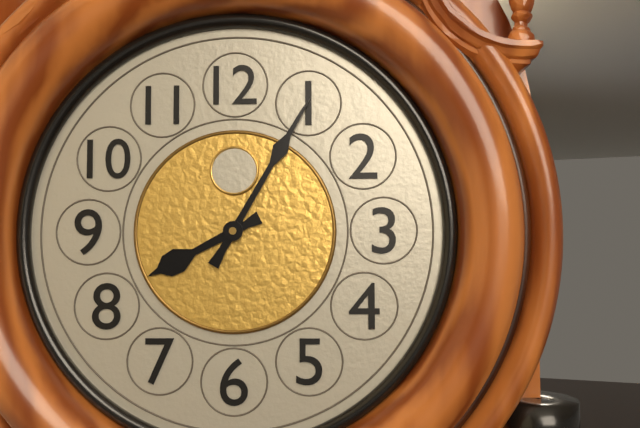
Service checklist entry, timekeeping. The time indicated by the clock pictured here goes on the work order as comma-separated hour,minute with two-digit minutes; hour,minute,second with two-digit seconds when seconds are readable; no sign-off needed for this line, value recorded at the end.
8,05
